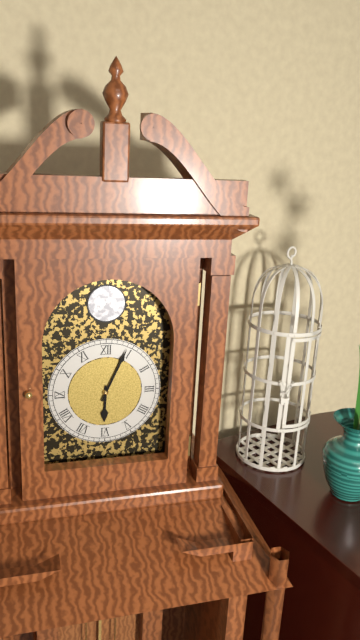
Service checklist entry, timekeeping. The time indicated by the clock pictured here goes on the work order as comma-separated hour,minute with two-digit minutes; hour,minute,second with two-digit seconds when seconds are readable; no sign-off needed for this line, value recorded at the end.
6,04
